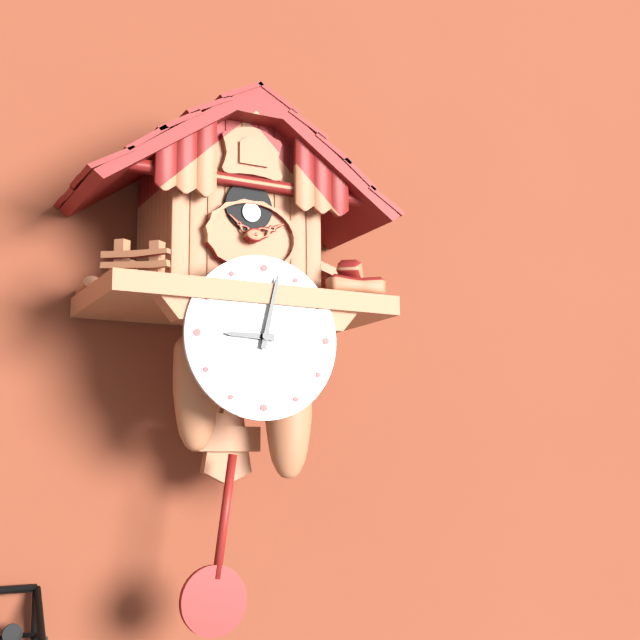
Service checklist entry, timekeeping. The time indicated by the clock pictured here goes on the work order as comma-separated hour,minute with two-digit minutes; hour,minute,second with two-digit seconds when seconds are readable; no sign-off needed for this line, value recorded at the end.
9,02
